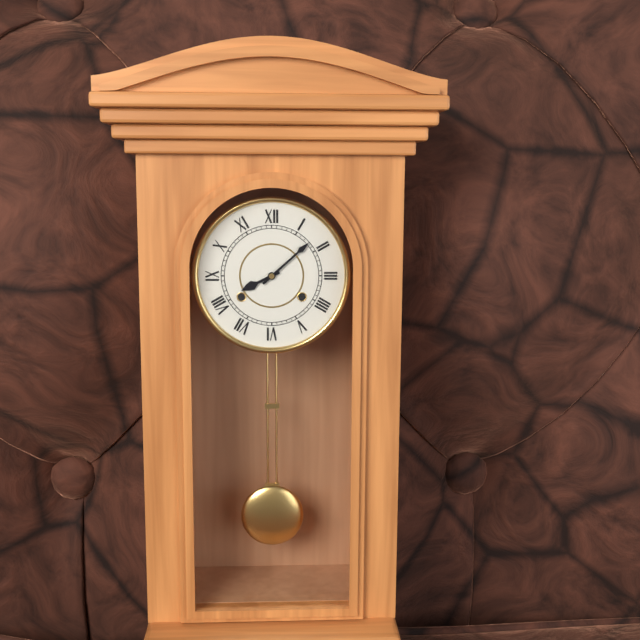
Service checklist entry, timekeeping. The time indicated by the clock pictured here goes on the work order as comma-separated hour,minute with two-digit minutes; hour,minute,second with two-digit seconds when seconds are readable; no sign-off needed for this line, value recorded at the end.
8,08
